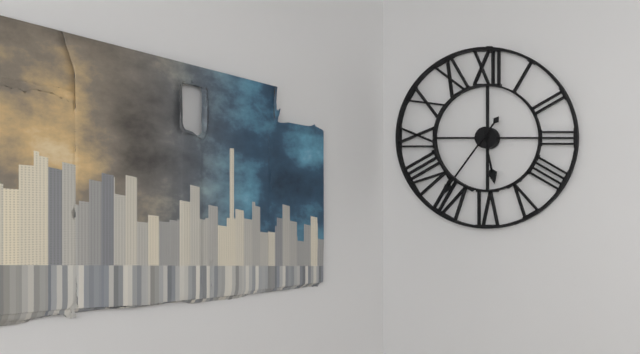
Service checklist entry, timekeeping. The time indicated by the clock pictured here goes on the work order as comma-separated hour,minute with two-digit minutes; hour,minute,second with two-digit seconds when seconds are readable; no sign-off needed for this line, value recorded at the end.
5,36
